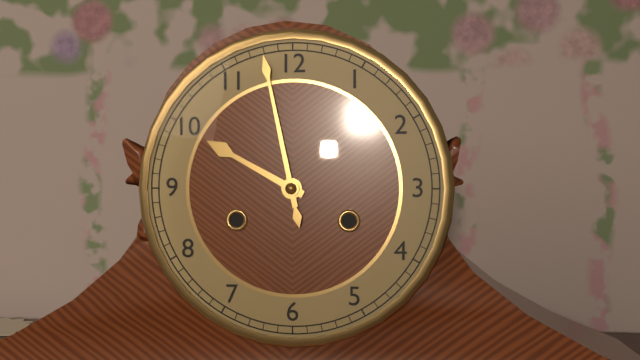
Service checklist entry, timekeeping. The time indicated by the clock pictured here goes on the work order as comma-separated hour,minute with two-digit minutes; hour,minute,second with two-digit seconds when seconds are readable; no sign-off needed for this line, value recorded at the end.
9,58
